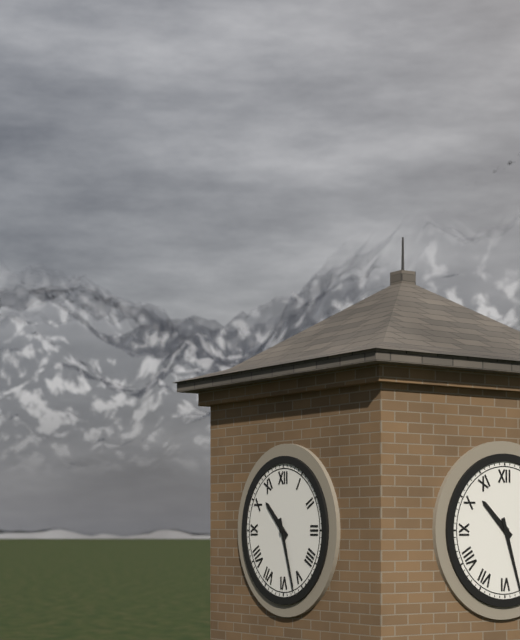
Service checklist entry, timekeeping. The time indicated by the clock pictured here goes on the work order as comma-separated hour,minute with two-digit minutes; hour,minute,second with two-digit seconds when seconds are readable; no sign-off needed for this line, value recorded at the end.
10,27
